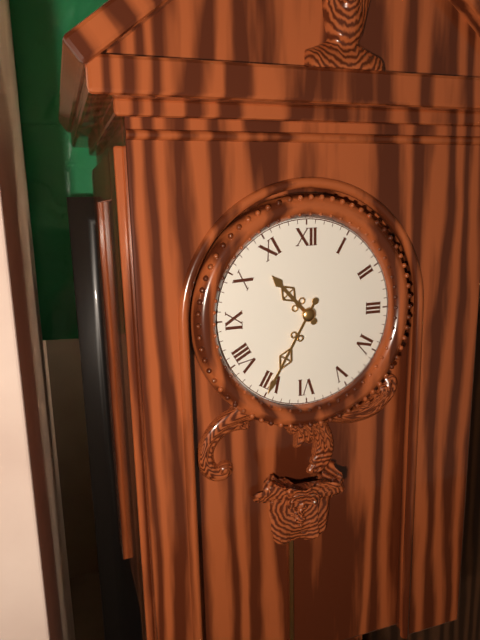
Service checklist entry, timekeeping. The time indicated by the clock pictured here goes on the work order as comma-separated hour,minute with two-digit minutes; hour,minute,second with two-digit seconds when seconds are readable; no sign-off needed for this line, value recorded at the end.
10,35
